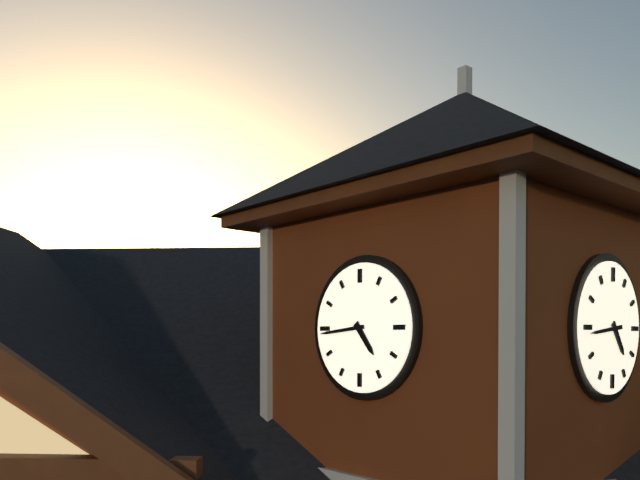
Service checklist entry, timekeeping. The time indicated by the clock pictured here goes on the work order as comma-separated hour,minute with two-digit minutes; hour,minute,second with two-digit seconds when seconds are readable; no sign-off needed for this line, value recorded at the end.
4,44
